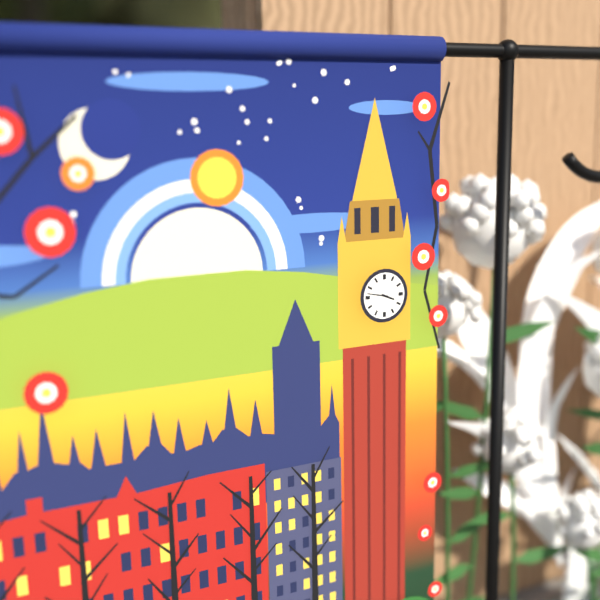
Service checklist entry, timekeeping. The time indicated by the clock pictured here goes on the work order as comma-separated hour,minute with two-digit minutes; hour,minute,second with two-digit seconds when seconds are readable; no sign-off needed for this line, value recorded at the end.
3,47
